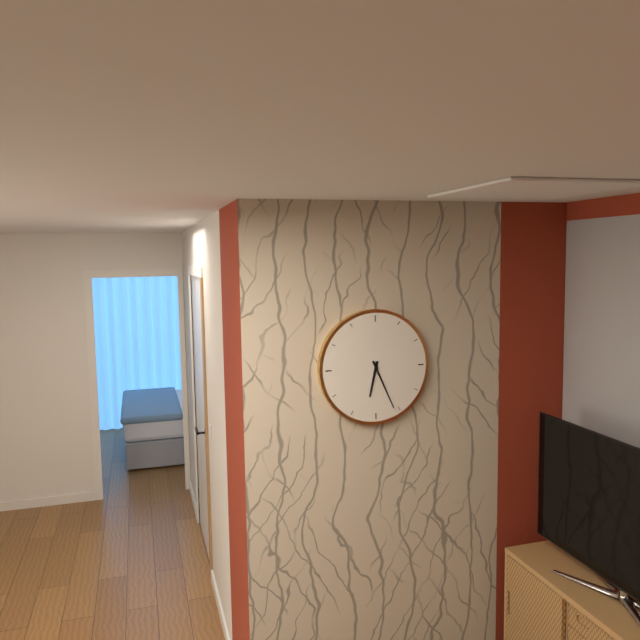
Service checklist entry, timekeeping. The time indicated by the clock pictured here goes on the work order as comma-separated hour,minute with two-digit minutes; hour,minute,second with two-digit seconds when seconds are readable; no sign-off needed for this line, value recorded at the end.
6,26
